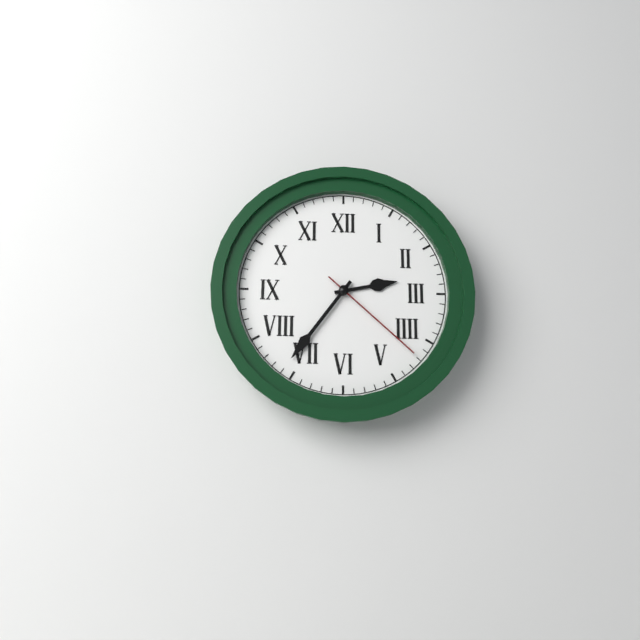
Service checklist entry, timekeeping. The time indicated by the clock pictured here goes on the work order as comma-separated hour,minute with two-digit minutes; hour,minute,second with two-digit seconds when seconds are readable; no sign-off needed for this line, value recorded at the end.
2,36,22
